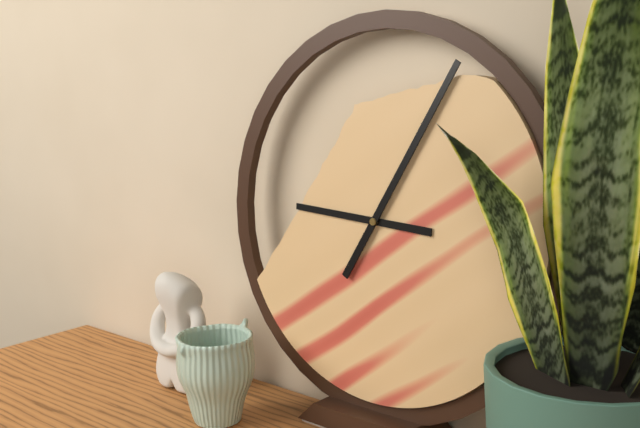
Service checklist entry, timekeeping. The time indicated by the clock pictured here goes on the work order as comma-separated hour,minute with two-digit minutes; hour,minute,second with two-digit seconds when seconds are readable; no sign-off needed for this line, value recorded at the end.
9,05
